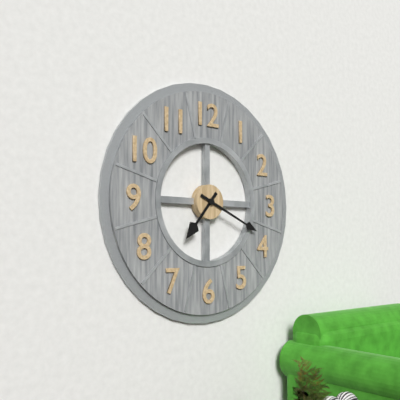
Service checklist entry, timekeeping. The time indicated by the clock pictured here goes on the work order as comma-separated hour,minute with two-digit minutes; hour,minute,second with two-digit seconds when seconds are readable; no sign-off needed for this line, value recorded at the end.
7,19
